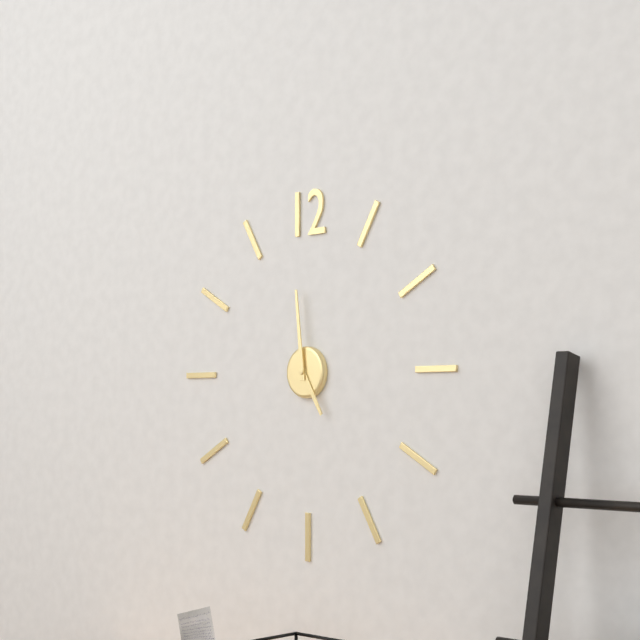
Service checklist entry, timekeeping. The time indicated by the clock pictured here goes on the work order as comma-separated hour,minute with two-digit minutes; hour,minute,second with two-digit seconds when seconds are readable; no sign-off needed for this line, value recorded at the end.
4,59
